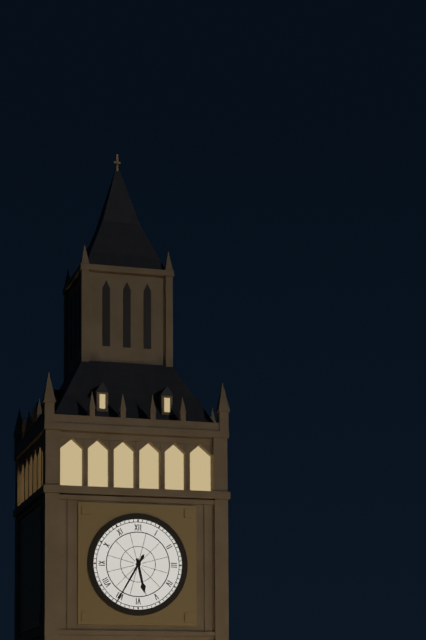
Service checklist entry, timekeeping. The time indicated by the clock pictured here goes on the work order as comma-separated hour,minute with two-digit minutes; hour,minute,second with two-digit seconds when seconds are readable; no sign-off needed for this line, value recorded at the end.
5,35
